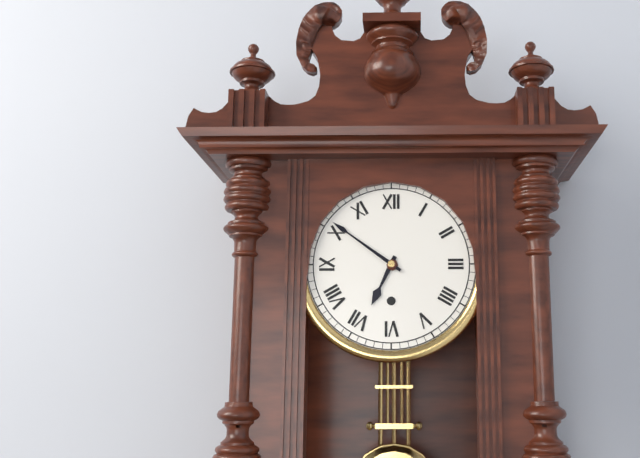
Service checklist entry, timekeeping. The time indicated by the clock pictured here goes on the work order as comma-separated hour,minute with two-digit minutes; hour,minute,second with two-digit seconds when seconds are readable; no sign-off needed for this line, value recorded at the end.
6,51
